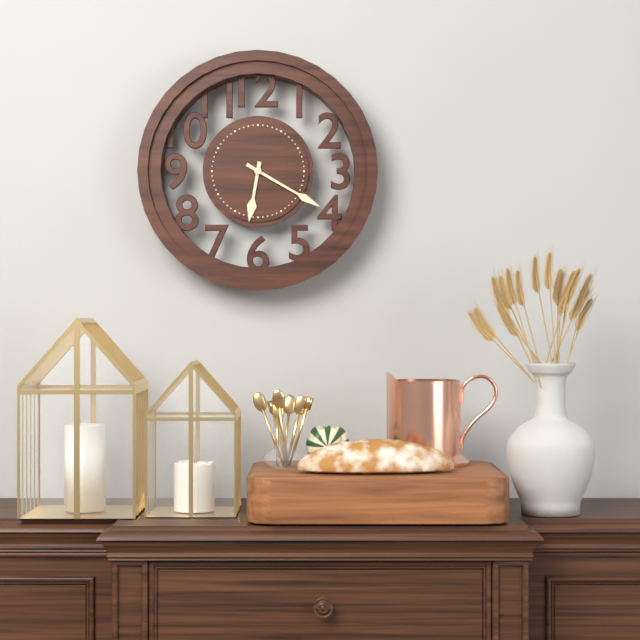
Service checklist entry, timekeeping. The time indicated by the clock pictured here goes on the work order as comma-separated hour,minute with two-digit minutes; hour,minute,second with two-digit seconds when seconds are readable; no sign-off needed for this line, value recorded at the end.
6,20
